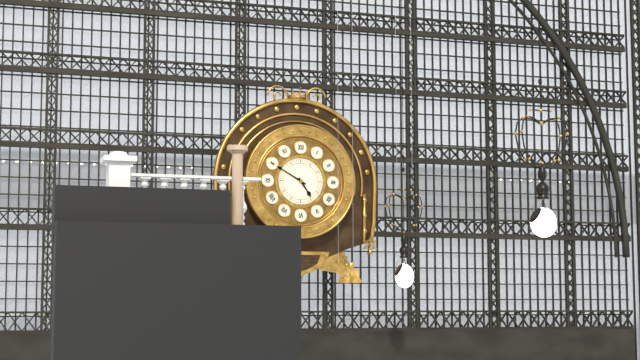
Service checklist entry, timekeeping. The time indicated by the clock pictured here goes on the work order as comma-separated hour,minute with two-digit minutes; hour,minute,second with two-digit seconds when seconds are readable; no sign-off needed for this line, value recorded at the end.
4,50
